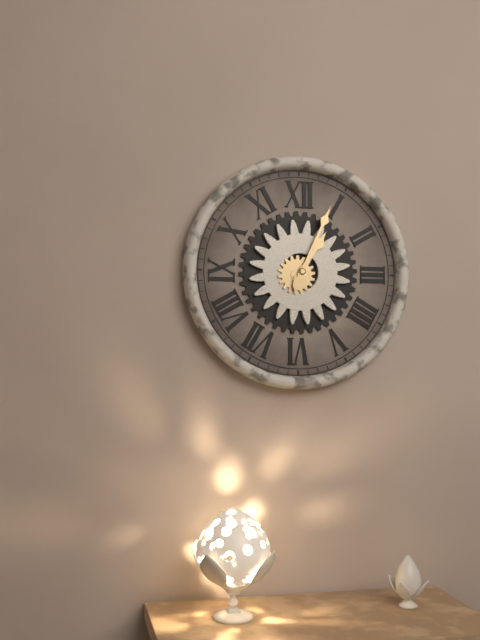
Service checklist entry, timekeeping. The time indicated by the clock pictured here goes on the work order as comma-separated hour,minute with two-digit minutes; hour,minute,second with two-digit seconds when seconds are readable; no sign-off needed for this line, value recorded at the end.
1,04
